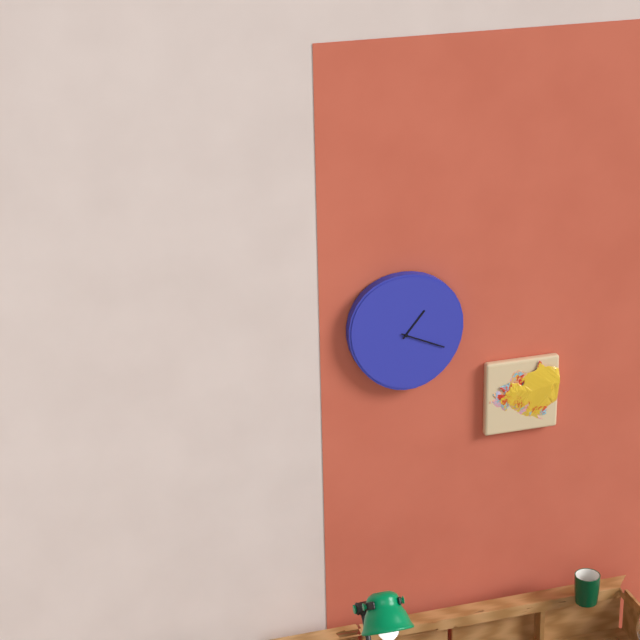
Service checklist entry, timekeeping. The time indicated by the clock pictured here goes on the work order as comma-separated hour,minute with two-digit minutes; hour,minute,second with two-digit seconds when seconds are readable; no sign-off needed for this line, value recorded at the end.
1,19
